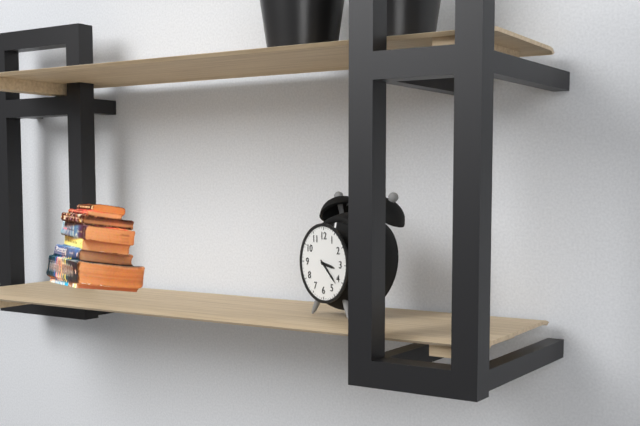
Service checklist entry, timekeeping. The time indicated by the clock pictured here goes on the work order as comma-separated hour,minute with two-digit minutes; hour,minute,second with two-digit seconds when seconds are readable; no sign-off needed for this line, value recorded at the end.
3,22
